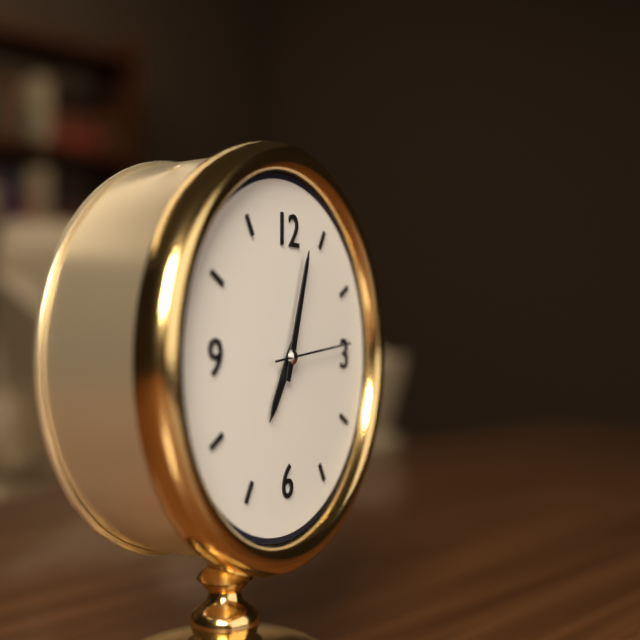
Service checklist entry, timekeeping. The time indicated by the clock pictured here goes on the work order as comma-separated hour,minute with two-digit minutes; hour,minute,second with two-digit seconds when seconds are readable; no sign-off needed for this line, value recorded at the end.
7,03,14
